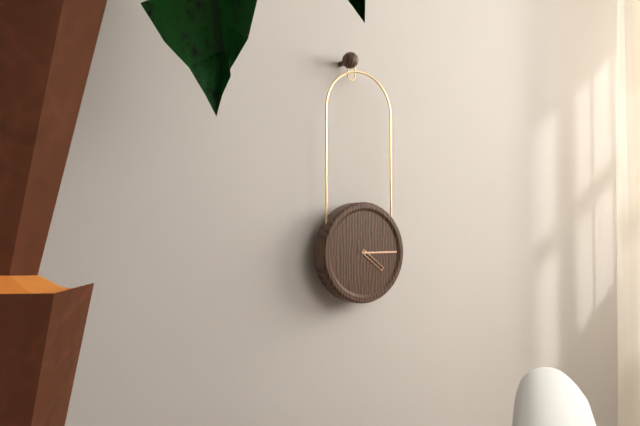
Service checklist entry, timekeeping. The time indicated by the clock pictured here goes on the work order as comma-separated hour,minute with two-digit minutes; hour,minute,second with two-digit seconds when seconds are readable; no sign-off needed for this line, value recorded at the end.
4,15
